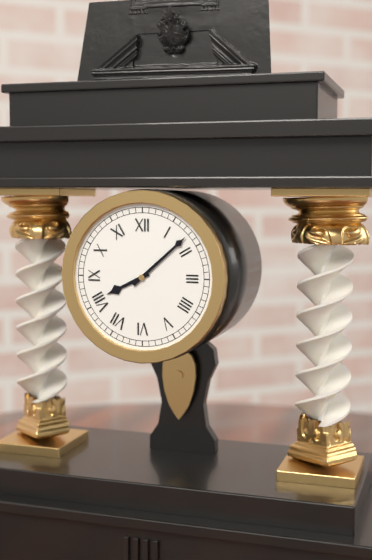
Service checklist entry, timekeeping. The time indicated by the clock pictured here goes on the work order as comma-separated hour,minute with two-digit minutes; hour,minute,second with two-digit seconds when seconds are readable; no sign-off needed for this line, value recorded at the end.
8,08
